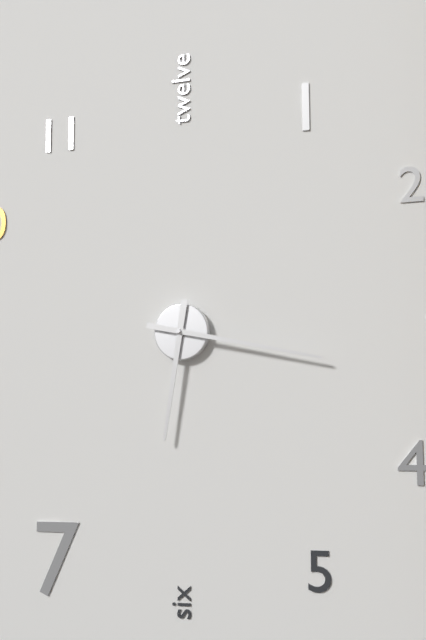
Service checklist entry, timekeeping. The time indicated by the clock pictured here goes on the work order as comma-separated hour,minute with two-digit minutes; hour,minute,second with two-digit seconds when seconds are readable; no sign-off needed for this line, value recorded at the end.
6,17
